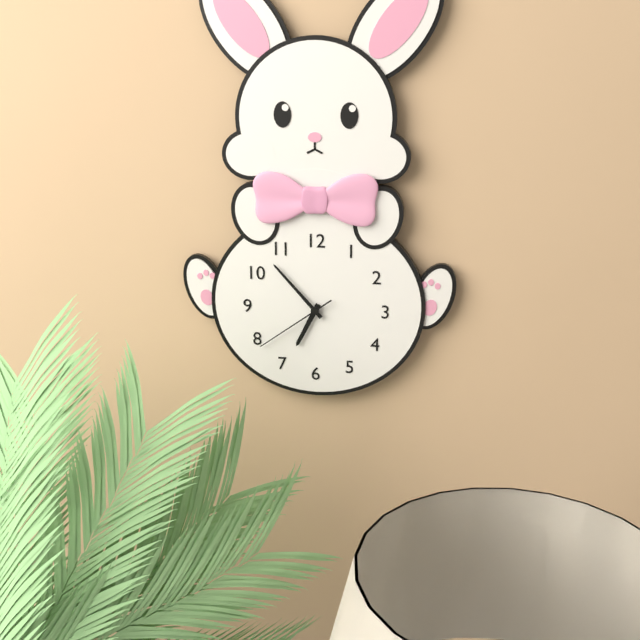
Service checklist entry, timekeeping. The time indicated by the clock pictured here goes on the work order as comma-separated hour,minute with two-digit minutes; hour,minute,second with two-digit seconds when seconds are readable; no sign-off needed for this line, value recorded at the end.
6,53,39
